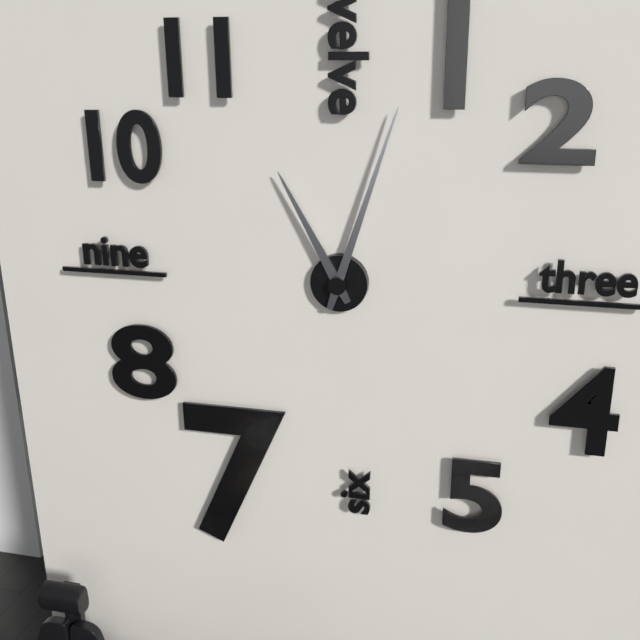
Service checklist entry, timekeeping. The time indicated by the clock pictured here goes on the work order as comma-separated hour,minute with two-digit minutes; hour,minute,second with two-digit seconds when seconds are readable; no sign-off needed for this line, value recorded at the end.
11,03
